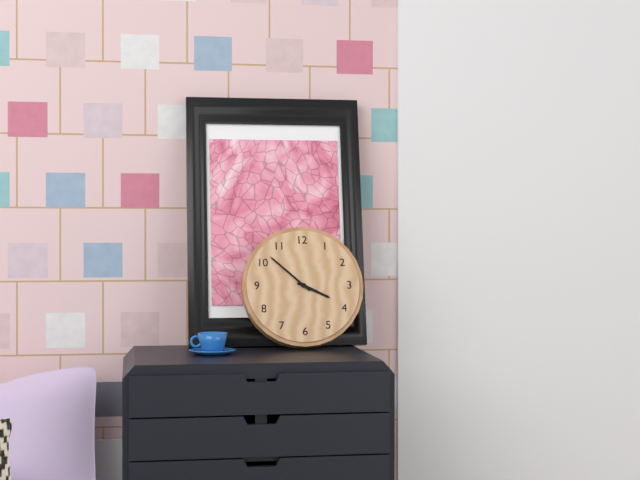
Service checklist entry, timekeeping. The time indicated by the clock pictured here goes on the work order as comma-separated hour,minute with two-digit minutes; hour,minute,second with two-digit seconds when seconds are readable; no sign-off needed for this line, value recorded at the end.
3,52
